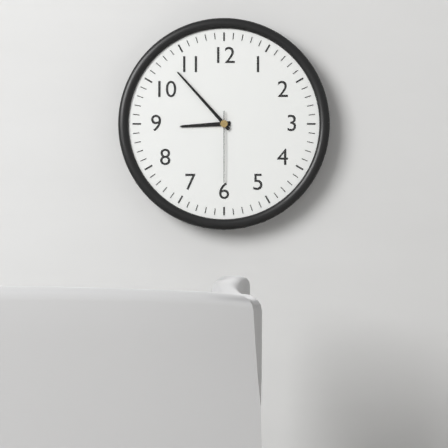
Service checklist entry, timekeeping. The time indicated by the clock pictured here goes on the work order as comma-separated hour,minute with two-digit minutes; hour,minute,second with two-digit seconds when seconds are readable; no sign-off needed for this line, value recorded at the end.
8,53,30
